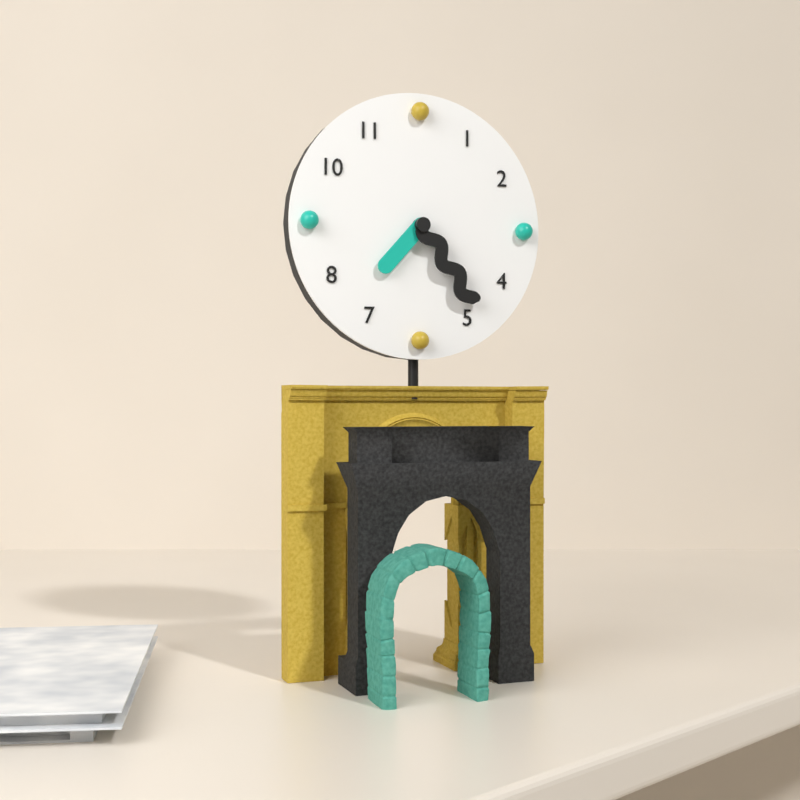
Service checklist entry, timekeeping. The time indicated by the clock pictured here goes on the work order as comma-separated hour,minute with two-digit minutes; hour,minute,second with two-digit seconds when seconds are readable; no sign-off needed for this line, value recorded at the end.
7,24
